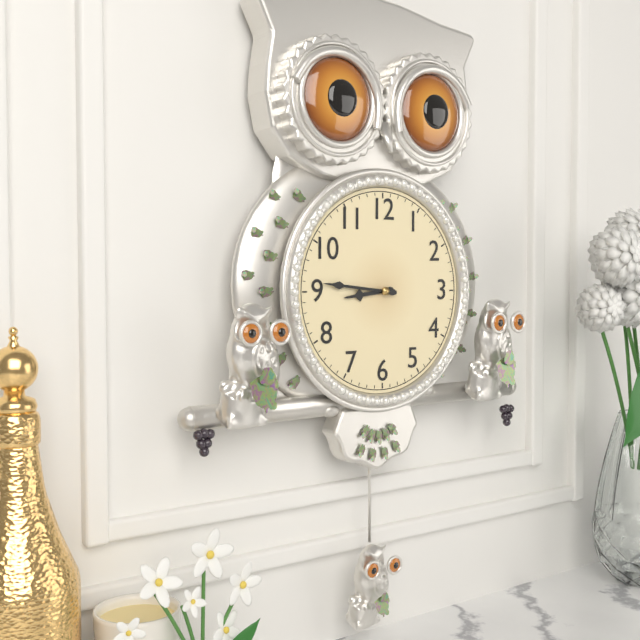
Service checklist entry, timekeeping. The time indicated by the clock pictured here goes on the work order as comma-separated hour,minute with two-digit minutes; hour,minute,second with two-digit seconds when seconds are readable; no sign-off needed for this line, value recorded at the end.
8,46
